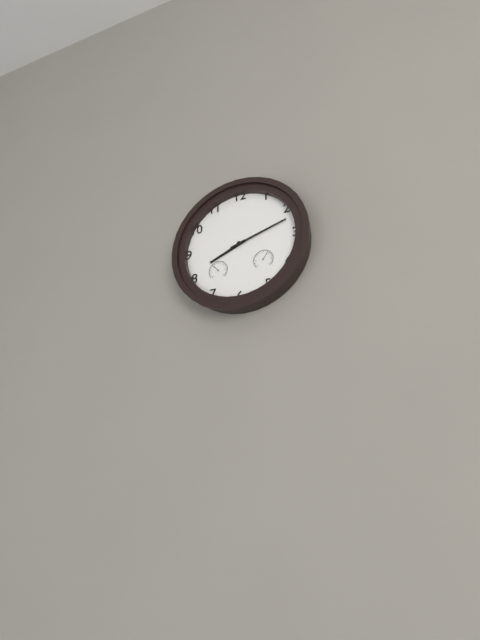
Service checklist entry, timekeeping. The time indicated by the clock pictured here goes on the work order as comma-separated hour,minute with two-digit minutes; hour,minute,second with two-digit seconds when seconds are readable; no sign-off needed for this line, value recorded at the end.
8,12
